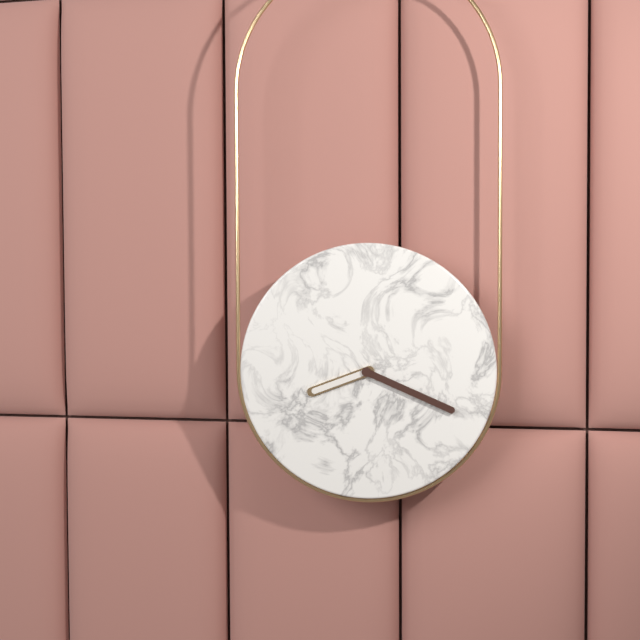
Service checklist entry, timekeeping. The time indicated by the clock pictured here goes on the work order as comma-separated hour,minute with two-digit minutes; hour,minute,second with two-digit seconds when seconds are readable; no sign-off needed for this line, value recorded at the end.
8,19
